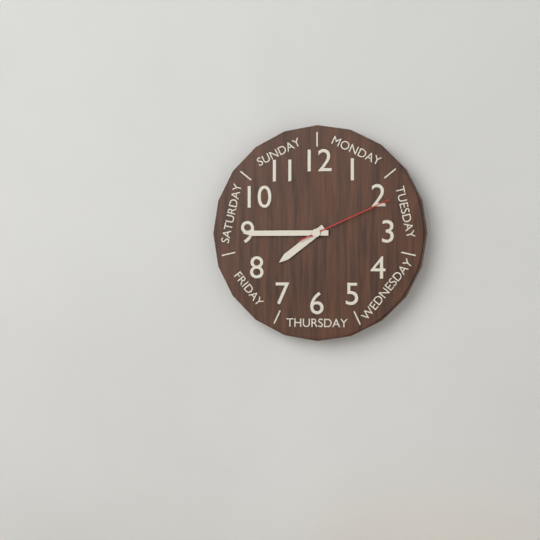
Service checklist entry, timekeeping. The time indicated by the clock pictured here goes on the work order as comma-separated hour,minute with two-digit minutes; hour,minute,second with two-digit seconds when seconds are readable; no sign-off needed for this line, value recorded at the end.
7,45,11
